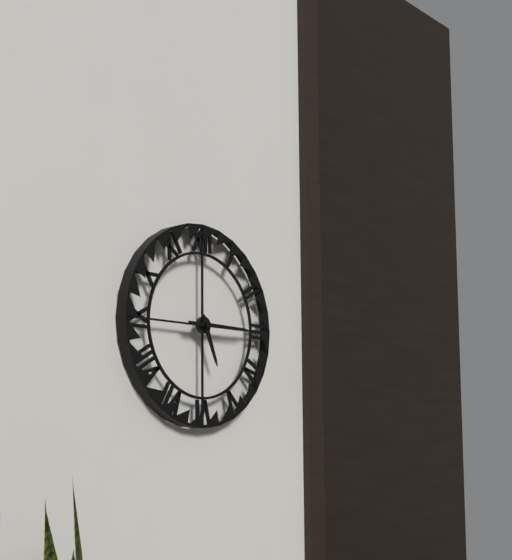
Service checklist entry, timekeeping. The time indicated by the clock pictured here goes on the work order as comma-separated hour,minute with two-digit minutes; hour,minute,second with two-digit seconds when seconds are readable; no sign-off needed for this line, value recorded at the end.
5,15
